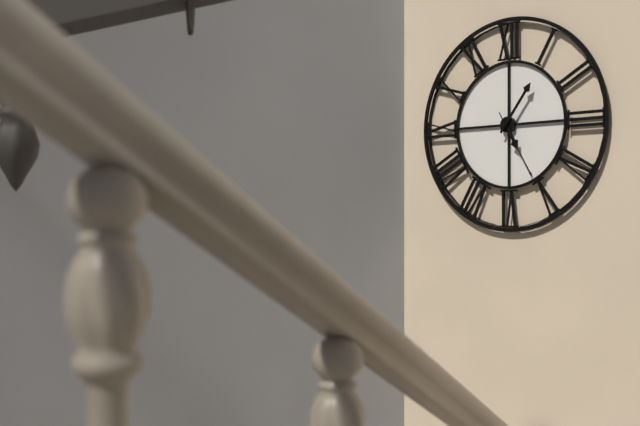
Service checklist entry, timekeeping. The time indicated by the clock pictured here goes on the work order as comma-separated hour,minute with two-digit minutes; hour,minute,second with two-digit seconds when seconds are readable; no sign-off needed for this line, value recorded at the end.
5,06,25
